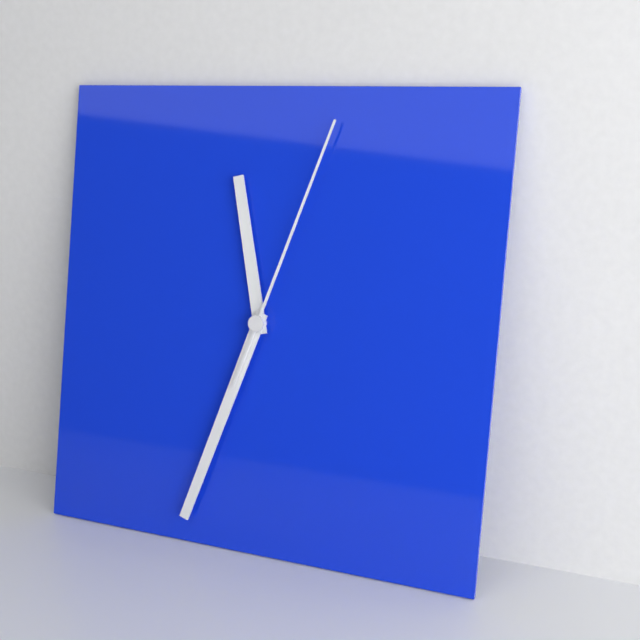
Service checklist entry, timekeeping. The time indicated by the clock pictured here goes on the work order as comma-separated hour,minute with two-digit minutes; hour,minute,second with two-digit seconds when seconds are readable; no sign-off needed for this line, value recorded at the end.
11,33,03
